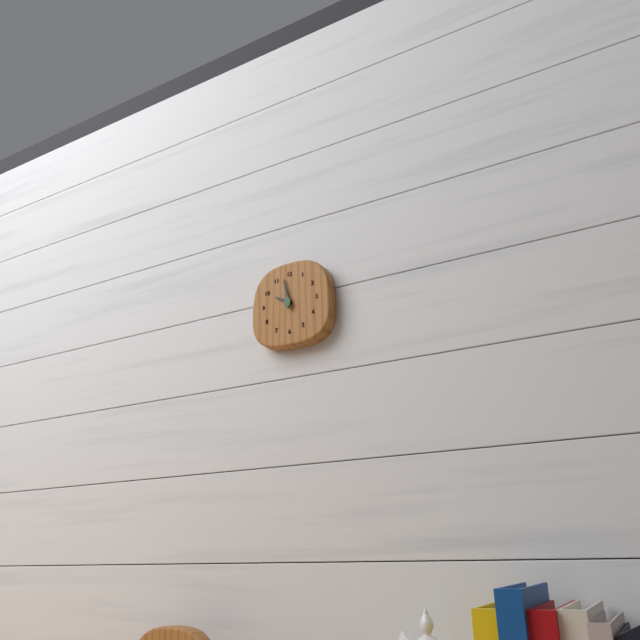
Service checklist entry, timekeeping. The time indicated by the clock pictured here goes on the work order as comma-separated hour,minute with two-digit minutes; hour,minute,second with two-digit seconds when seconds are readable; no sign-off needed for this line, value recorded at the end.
9,58
